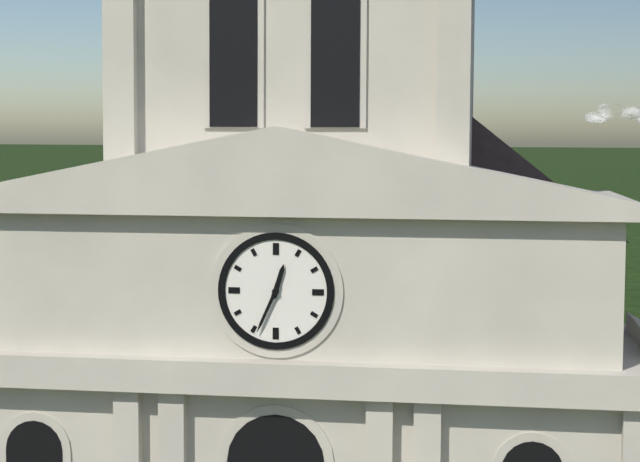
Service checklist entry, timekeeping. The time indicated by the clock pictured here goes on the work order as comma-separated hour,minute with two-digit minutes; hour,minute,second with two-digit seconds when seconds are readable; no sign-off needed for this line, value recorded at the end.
12,34
